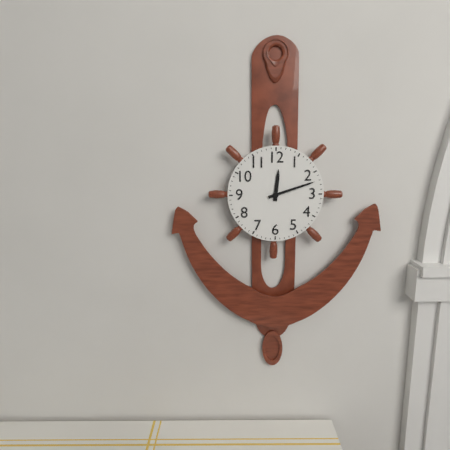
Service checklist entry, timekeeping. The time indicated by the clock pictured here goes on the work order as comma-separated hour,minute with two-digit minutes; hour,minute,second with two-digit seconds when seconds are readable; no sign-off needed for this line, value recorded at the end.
12,12
